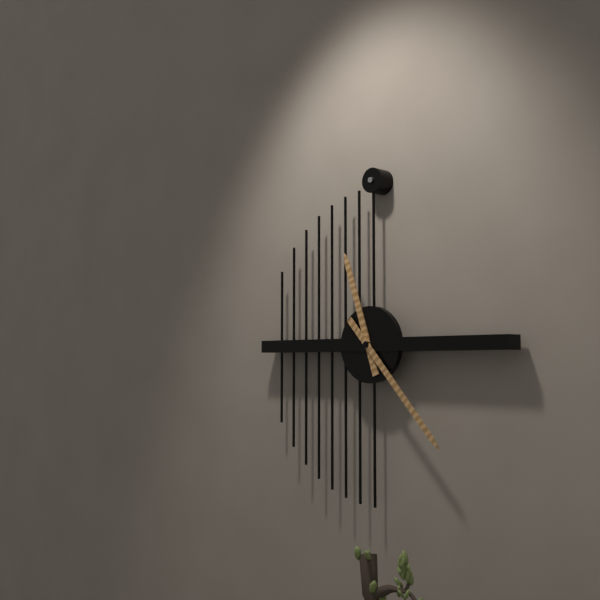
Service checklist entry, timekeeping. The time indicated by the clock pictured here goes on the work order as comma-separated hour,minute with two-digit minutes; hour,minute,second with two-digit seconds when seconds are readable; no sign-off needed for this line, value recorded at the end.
11,23
